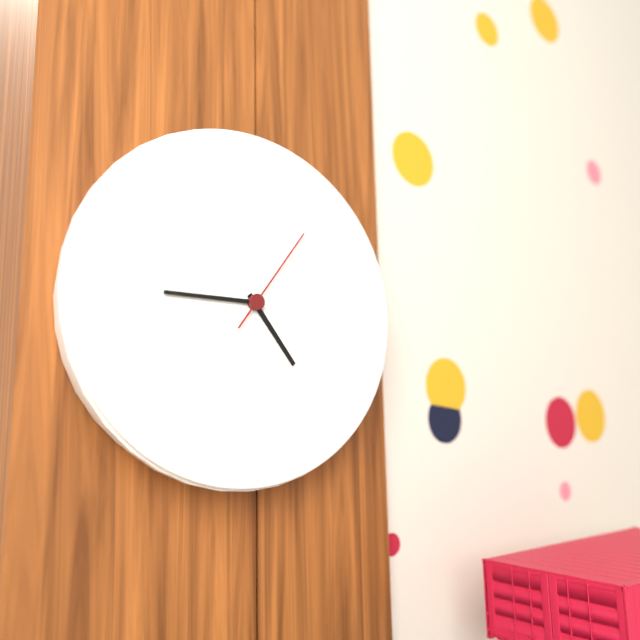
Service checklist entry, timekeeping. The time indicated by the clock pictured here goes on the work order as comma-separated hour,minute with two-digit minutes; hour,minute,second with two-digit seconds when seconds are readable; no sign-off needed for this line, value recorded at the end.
4,45,06
